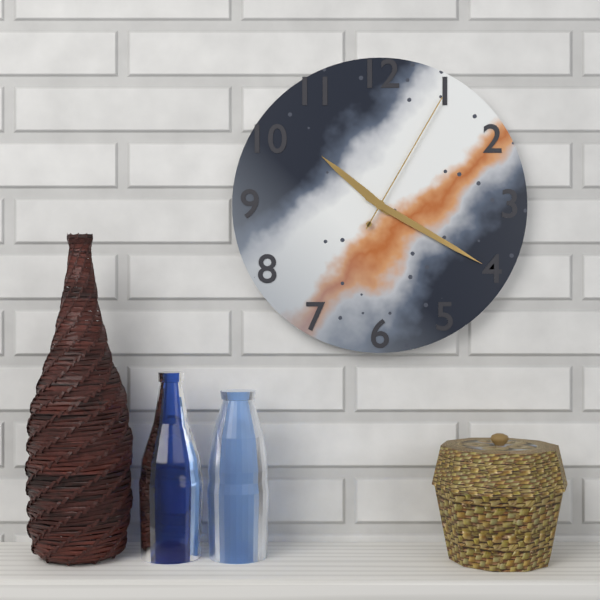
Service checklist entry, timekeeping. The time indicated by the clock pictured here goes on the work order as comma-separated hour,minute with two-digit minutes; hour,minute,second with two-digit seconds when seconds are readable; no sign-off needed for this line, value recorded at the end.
10,20,05
